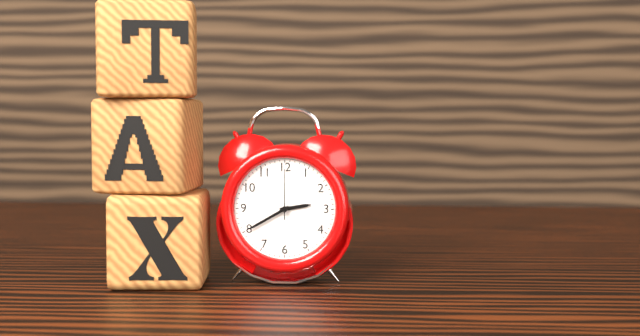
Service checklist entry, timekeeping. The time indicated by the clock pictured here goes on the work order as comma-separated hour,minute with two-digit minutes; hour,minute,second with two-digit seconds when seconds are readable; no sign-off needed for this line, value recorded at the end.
2,40,00
